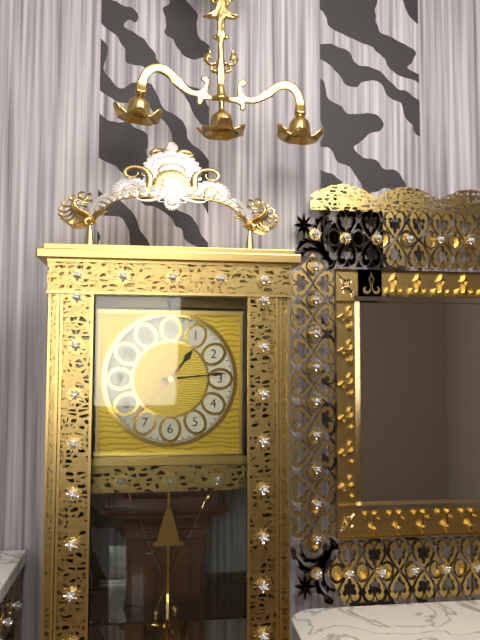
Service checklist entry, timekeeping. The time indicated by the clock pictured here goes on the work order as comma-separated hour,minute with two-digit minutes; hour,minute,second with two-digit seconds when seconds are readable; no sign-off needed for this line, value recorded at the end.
1,14,37
